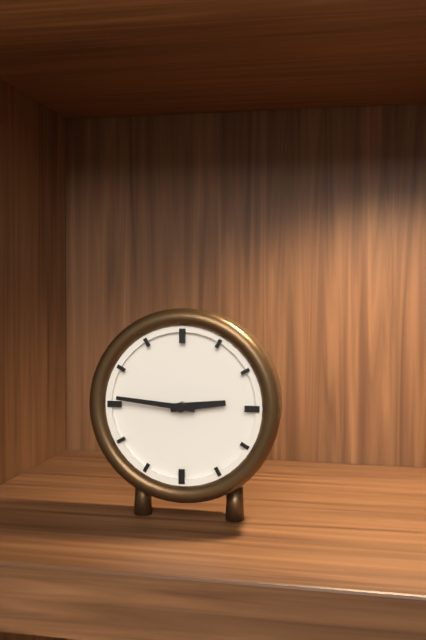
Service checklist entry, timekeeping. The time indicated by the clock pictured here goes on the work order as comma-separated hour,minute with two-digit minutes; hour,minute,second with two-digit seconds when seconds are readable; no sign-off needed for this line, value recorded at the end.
2,46
